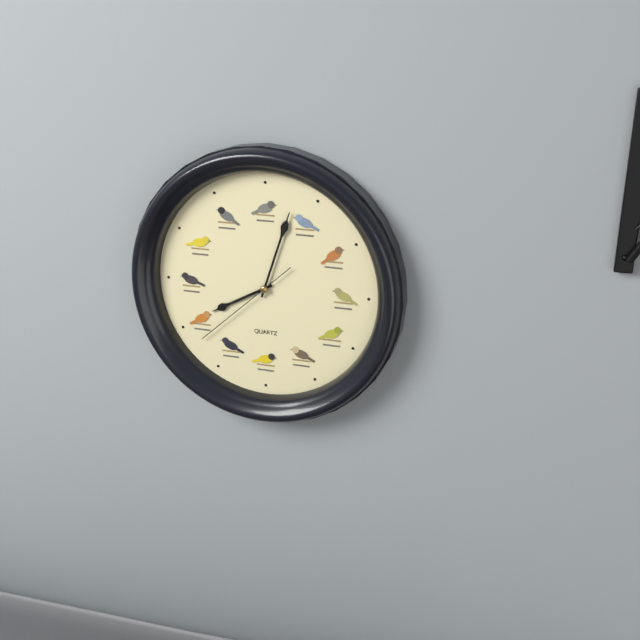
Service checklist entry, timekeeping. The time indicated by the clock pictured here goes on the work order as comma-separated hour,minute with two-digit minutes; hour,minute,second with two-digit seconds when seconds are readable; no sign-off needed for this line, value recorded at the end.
8,03,38
